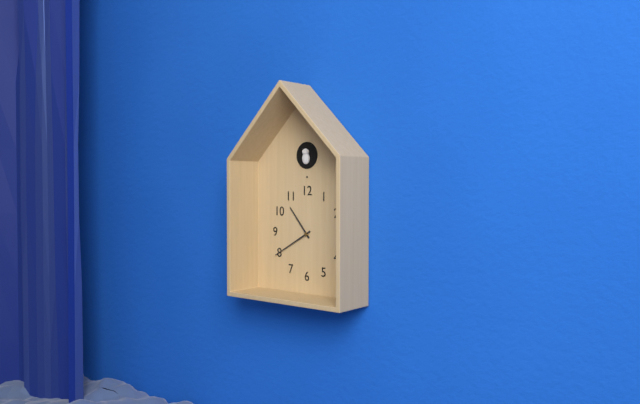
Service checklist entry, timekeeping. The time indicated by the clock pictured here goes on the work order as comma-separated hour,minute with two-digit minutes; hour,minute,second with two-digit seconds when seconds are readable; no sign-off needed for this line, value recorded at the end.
10,40
